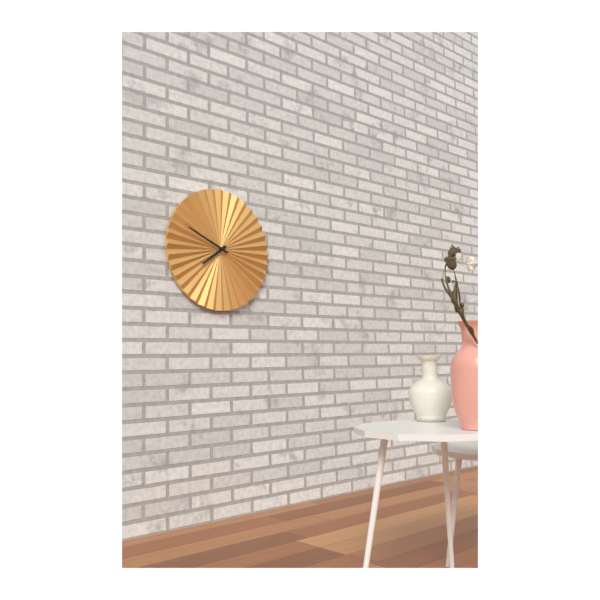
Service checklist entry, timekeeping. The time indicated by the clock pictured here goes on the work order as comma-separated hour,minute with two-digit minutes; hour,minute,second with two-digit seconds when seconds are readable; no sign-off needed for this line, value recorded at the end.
7,49
